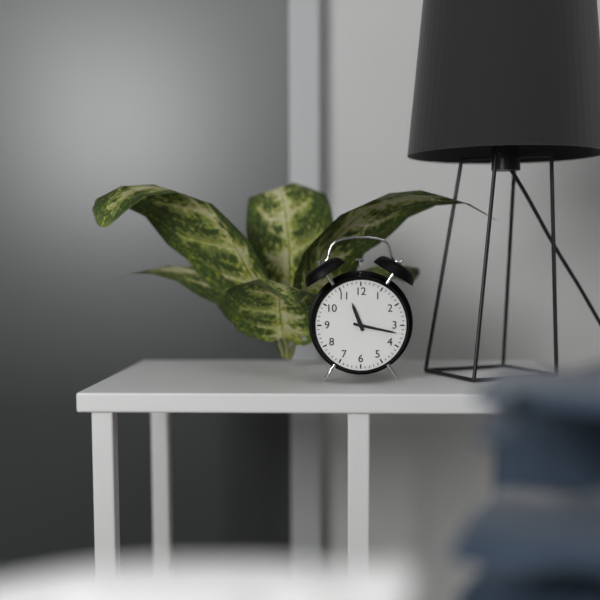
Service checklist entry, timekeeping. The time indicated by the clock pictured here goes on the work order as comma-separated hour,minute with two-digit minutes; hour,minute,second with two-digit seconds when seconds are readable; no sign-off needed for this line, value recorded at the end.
11,17
